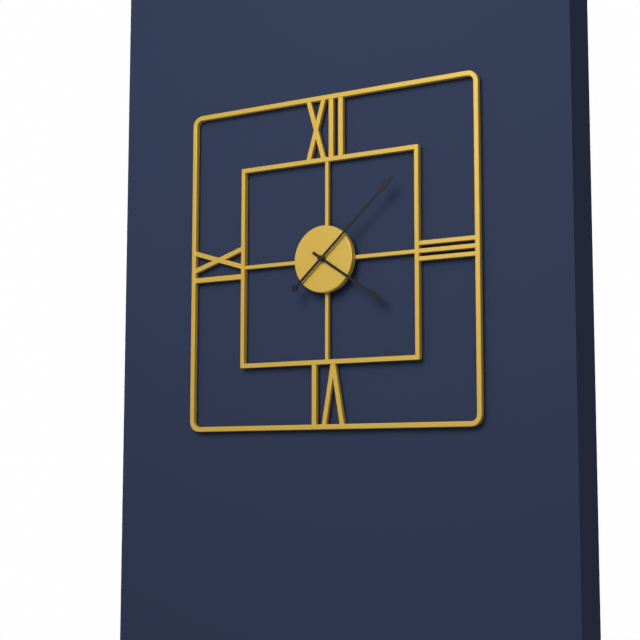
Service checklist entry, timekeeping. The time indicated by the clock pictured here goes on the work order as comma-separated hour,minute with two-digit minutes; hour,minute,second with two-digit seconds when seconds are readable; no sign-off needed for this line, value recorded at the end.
4,08
